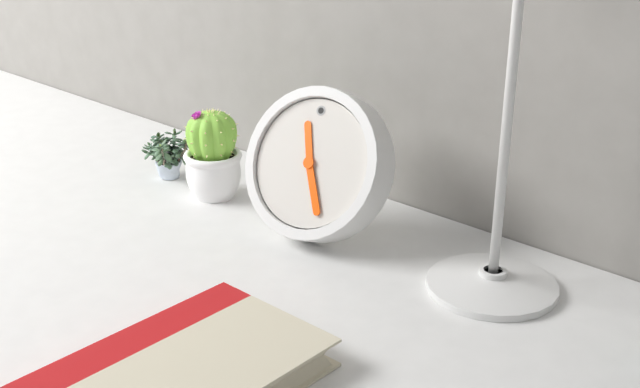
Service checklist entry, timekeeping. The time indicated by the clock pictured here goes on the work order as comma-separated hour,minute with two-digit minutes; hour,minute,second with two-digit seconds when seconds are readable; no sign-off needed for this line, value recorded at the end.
11,26
